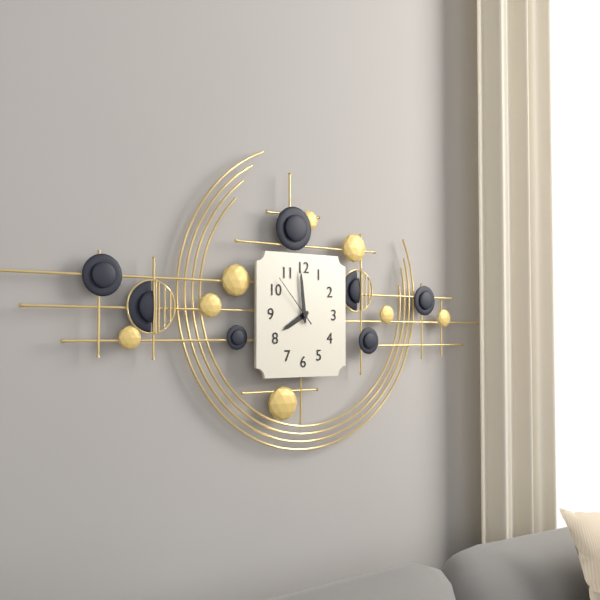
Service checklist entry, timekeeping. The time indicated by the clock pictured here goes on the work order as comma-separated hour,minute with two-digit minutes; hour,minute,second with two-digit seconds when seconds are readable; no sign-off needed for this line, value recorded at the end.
7,59,53
